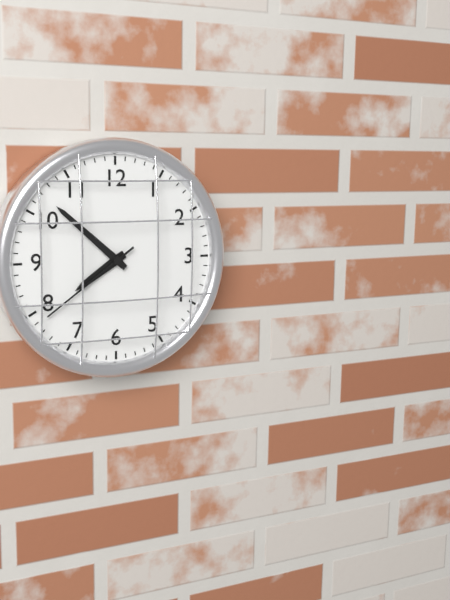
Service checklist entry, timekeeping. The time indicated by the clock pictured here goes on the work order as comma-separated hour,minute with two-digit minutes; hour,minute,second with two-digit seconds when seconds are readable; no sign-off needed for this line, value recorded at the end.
7,52,39
